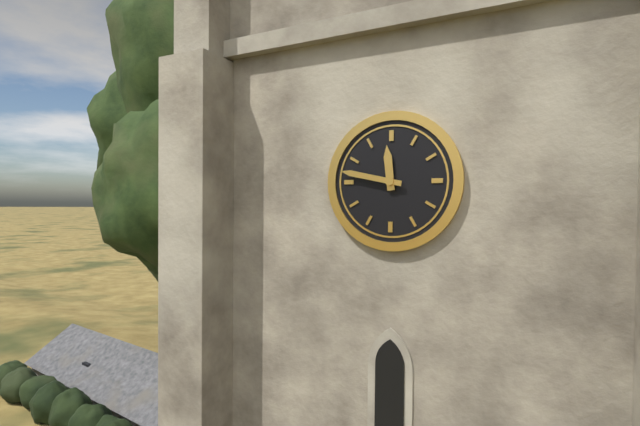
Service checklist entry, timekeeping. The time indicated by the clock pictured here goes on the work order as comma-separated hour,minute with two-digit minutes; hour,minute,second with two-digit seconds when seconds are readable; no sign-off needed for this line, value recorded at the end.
11,47
